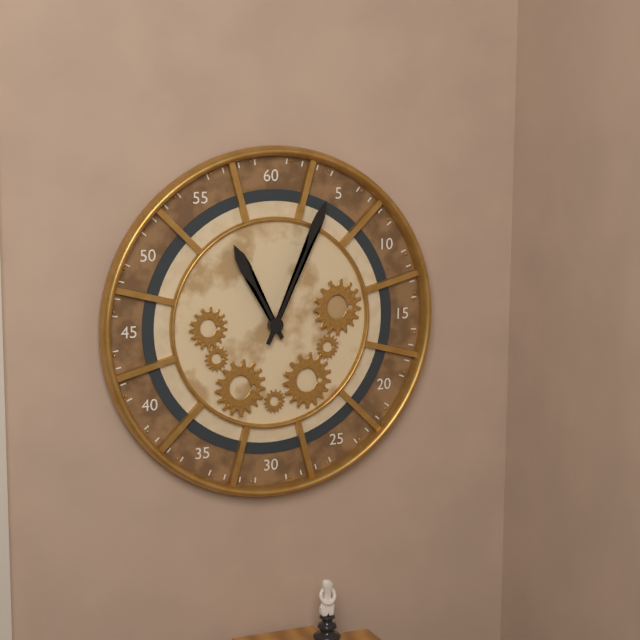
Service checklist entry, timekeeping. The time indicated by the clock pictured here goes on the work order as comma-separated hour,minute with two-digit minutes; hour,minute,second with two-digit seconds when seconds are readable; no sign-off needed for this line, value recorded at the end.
11,04
